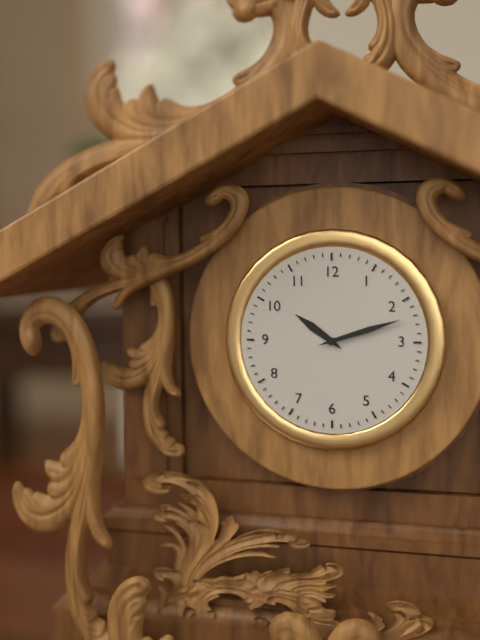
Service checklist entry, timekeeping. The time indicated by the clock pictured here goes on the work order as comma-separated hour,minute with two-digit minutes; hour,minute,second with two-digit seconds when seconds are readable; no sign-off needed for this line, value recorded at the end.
10,12
